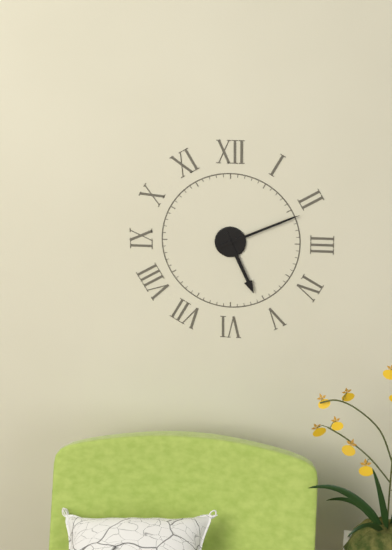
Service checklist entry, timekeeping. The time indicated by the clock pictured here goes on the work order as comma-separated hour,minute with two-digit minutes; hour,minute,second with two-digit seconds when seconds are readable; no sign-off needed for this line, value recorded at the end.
5,11
